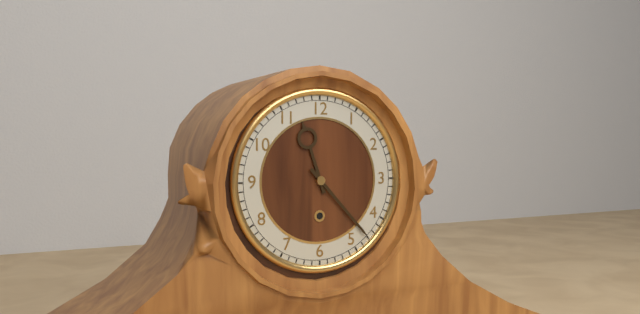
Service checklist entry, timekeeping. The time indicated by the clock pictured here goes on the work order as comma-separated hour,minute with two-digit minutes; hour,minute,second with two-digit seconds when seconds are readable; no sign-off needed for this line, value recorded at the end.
11,23
